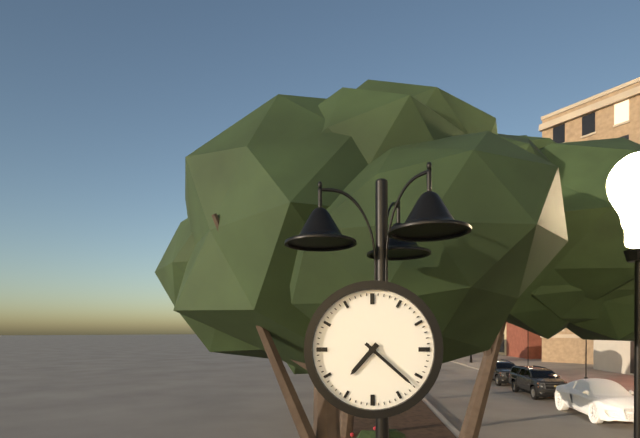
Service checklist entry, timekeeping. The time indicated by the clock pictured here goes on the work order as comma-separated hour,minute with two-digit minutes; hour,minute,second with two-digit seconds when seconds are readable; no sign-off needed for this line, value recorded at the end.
7,22
